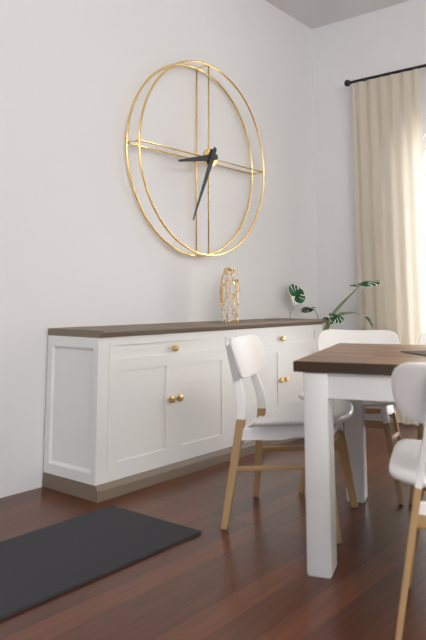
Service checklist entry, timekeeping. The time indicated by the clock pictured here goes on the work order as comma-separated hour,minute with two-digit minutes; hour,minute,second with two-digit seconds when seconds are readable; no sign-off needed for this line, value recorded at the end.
8,34
